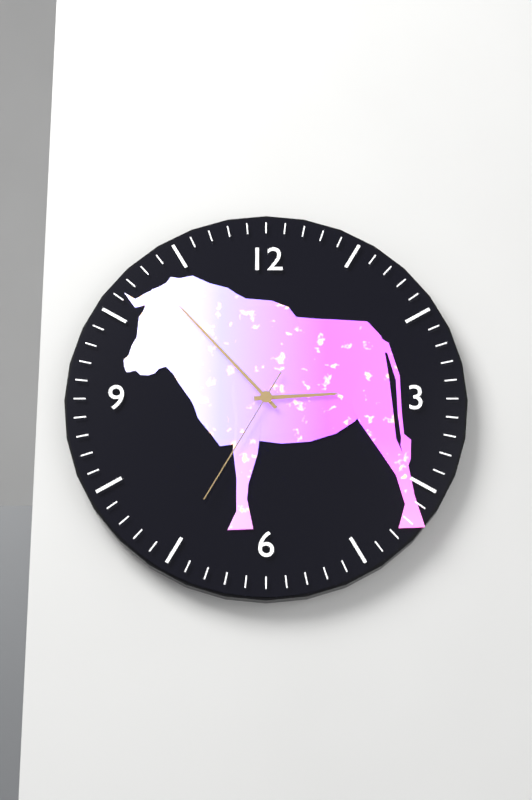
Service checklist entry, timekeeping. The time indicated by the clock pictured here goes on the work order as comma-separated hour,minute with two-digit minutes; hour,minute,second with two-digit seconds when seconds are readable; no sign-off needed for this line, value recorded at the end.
2,53,35
